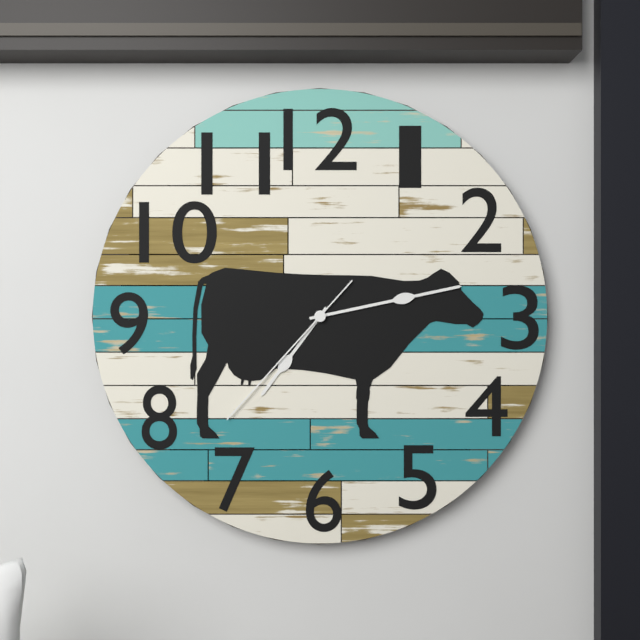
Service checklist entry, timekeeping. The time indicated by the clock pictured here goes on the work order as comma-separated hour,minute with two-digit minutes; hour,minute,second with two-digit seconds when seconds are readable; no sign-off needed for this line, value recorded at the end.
7,13,37
